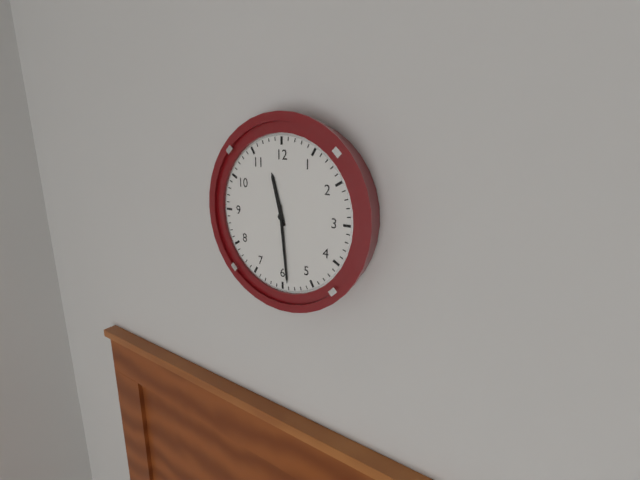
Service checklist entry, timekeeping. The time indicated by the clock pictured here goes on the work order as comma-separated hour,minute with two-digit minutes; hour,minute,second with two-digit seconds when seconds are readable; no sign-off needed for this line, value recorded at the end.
11,29
